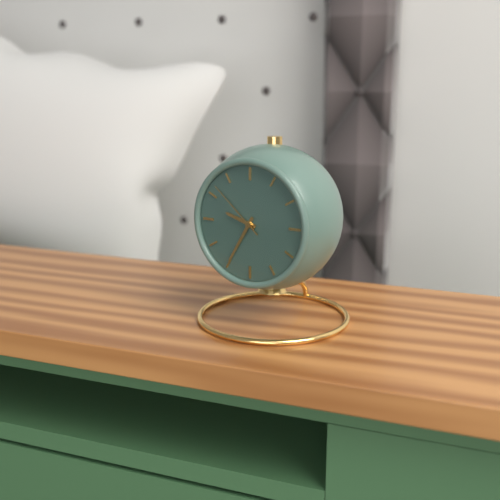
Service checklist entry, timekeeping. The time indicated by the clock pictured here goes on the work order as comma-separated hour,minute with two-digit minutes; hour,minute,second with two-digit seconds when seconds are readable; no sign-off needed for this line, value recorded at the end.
9,35,52
